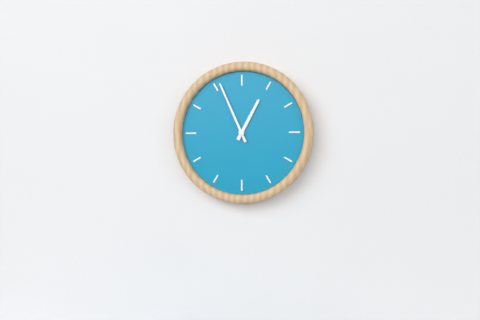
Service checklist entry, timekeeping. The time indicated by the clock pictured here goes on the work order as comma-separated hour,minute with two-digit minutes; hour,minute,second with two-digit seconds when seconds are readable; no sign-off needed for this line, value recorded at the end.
12,56
